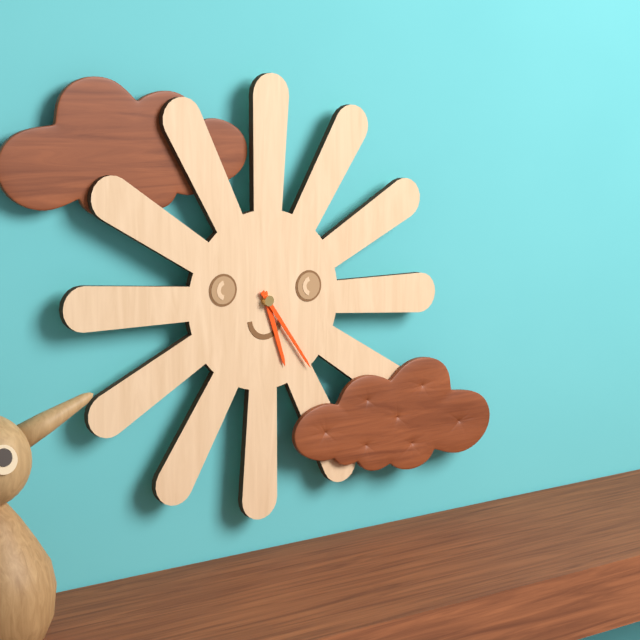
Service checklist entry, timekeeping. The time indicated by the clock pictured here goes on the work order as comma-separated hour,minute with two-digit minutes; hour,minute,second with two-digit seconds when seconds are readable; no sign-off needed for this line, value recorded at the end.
5,24
